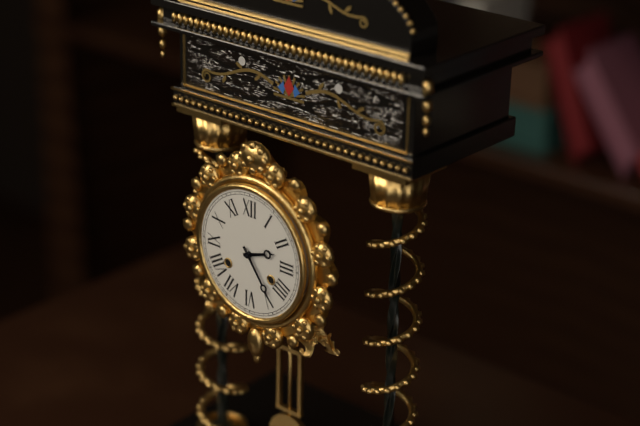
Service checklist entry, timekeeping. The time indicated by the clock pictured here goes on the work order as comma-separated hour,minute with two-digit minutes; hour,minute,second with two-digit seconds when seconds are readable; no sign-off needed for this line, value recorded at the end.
2,24
